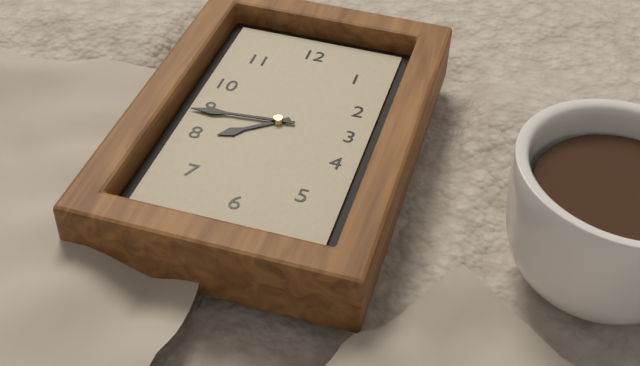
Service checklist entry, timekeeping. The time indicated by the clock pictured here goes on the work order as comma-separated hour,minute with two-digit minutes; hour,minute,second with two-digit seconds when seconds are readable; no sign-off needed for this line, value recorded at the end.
7,44
